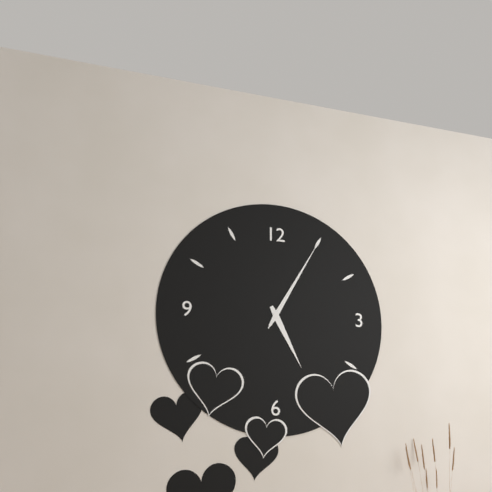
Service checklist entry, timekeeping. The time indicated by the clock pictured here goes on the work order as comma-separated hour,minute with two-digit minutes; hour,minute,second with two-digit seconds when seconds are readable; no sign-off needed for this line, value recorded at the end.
5,05,05
